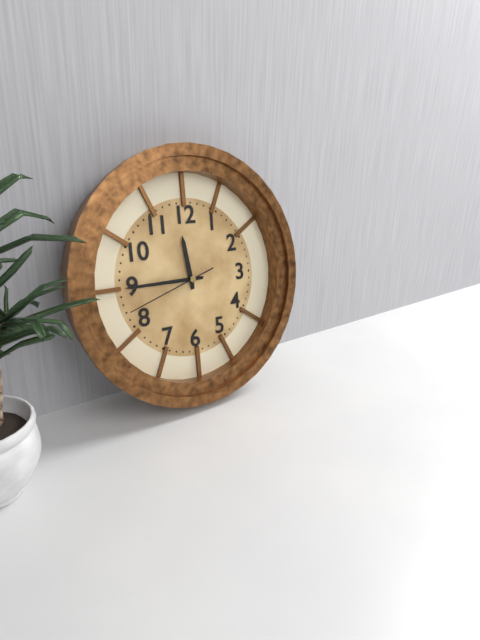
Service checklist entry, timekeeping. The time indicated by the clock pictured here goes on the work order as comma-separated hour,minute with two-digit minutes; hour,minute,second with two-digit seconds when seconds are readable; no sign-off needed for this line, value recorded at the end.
11,45,42
